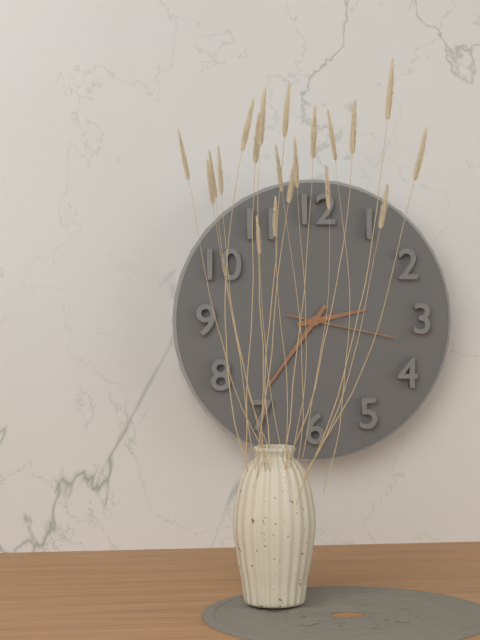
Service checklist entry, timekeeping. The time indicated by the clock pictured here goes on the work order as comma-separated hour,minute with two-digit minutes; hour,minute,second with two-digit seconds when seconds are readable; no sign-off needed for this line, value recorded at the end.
2,36,17
